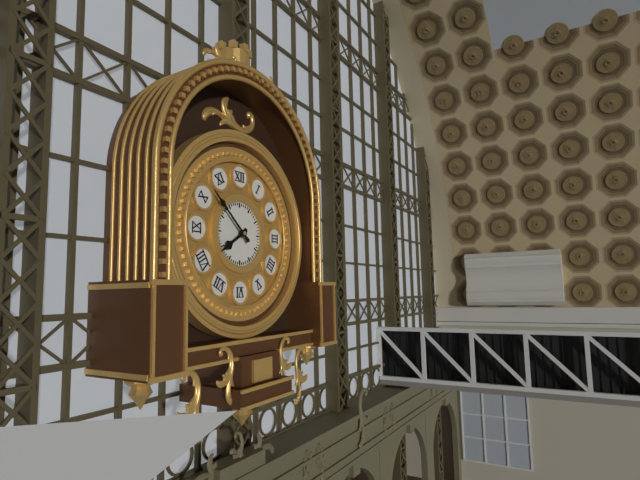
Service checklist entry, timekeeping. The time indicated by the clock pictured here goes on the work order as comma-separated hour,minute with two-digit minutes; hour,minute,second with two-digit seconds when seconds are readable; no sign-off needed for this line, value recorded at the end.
7,52
